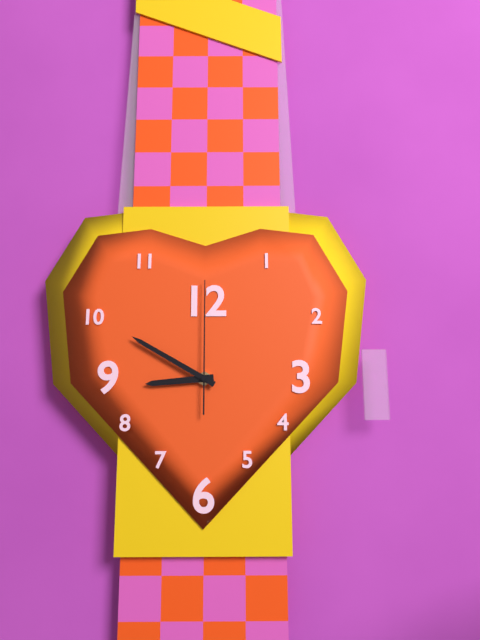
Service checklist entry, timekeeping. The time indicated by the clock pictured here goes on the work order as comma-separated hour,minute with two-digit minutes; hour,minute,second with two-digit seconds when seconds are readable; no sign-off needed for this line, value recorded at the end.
8,50,00
